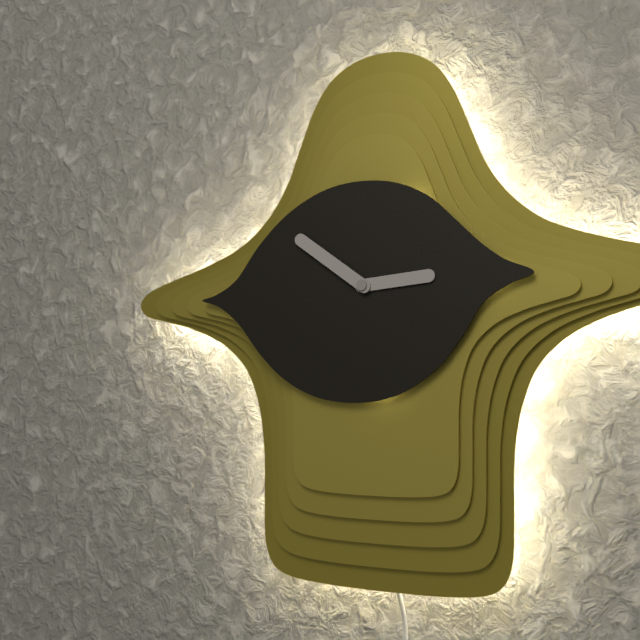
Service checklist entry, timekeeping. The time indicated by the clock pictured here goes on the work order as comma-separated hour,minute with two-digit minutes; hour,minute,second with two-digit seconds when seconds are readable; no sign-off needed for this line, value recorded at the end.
2,51
